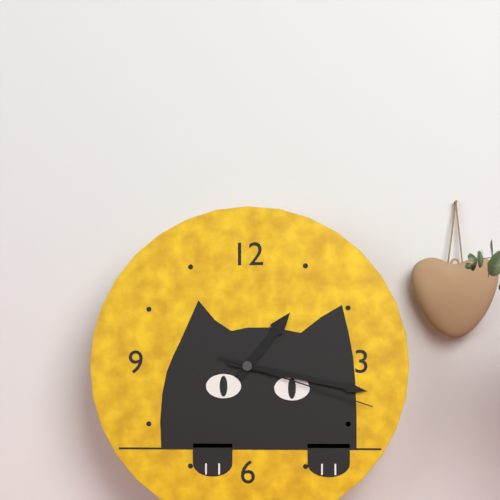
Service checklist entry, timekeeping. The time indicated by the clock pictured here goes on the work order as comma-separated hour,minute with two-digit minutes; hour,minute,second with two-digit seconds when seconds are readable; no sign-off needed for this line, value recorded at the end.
1,17,18
